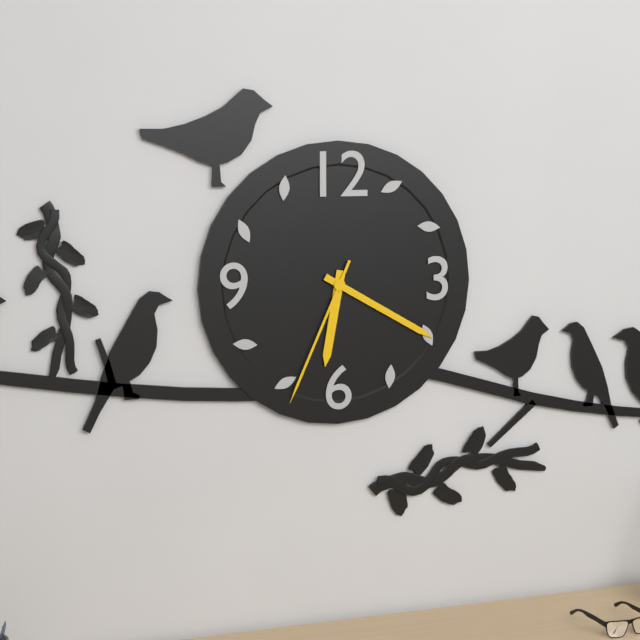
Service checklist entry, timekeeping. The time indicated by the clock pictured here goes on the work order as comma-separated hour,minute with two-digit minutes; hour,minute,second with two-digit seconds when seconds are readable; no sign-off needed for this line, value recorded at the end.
6,20,34
